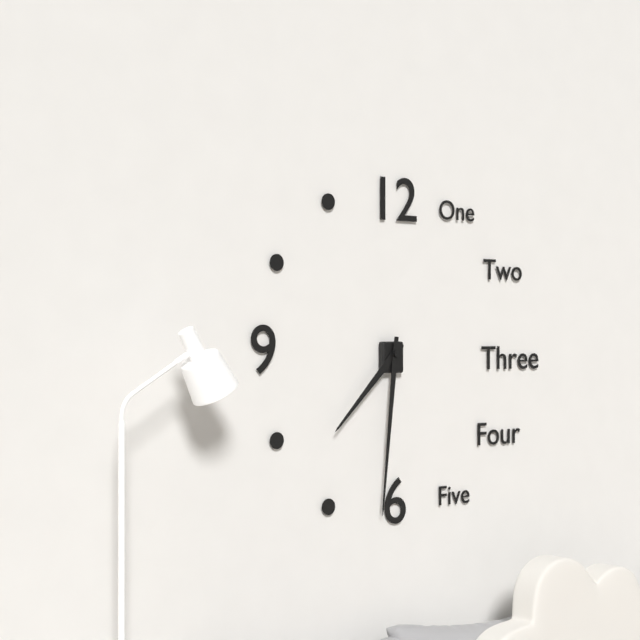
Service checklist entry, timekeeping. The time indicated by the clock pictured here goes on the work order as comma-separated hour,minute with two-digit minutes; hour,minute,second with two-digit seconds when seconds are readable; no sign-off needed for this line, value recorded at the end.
7,31
